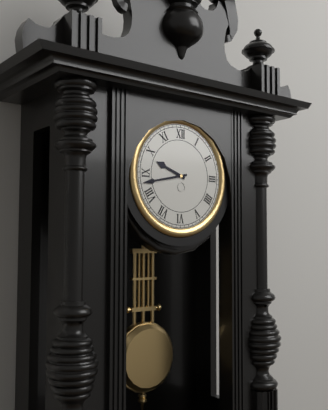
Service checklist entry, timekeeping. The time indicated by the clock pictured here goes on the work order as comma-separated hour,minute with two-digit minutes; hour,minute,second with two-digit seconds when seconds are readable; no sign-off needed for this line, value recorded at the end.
9,43
